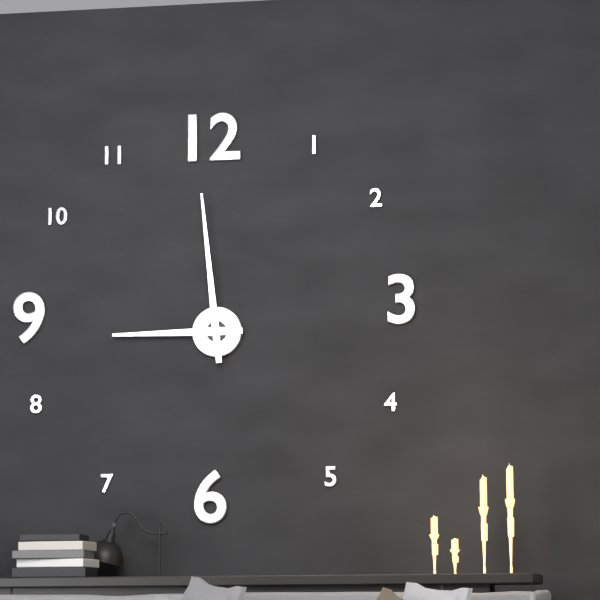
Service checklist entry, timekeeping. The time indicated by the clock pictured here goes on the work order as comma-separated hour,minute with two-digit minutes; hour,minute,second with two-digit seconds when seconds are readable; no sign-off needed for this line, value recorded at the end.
8,59
